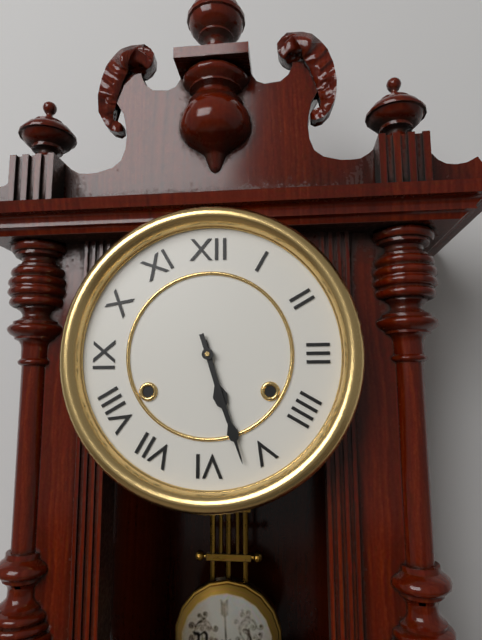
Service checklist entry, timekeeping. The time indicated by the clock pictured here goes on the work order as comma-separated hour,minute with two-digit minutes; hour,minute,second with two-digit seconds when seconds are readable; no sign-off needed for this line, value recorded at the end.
5,27
